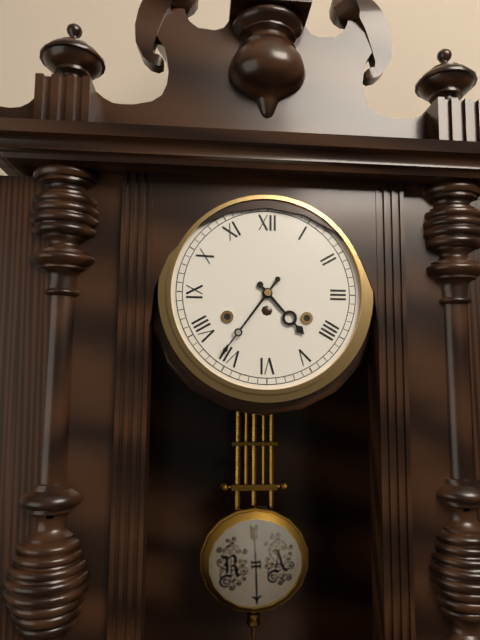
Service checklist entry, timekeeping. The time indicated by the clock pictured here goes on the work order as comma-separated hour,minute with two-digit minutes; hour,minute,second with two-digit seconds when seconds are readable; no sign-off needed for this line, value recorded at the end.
4,36
